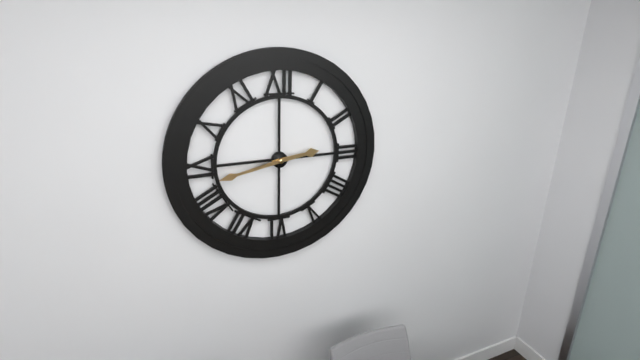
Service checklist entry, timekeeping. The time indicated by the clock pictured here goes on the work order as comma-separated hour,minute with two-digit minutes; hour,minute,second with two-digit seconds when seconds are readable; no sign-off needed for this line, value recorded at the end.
2,43
